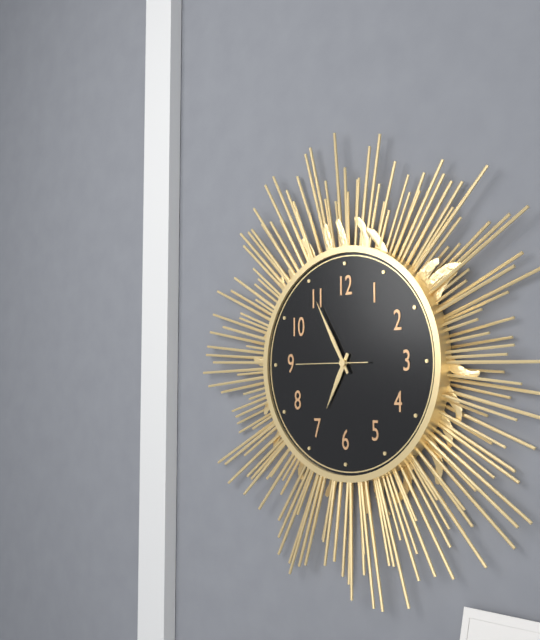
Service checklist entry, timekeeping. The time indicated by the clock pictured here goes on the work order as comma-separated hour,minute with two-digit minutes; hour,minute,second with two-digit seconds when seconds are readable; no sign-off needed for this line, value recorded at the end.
6,55,45
